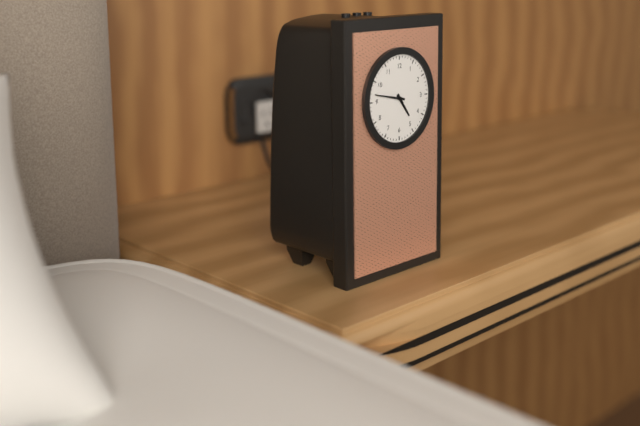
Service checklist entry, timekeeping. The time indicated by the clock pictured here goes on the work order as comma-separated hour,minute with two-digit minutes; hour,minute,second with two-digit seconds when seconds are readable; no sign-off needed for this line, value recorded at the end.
4,47
